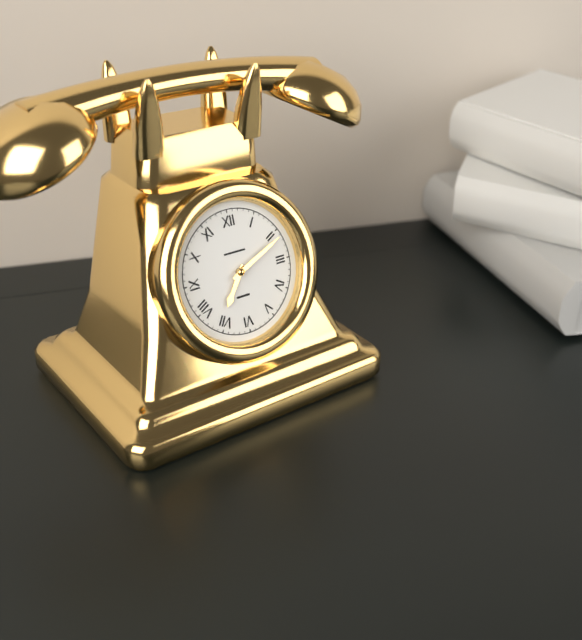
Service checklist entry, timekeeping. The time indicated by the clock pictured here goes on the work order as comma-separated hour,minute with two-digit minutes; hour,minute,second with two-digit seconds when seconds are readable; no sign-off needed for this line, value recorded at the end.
7,11
